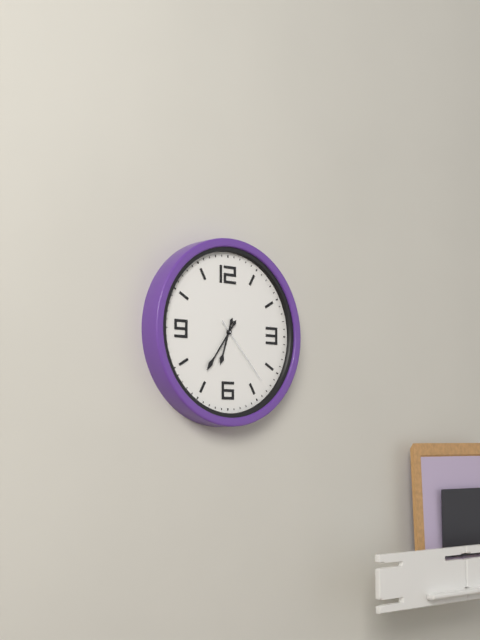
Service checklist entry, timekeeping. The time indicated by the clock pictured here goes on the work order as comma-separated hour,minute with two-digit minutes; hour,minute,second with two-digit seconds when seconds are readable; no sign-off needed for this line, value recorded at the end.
6,36,23
